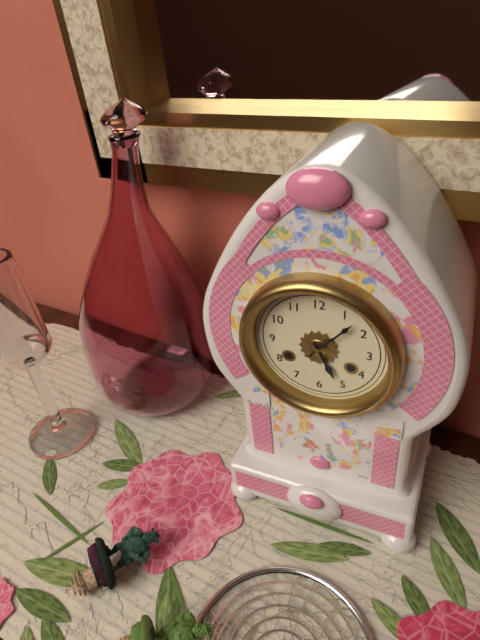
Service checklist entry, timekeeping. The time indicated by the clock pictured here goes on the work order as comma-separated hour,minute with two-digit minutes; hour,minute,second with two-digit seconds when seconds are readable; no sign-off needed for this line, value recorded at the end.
5,07
